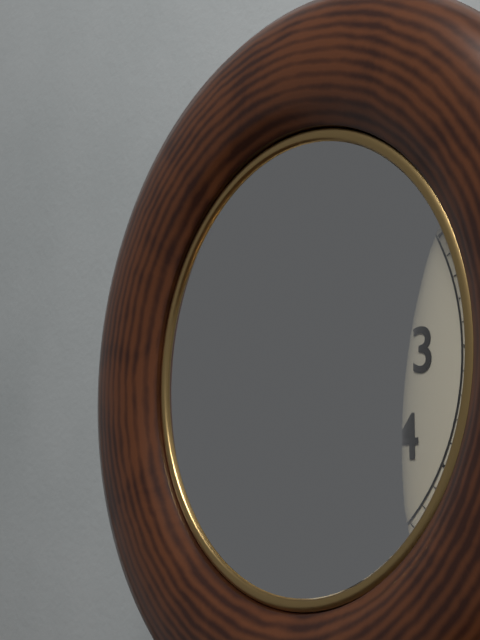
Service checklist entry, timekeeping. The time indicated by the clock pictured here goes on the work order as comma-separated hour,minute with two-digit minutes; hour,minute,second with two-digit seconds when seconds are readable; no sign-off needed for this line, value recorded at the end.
8,36
